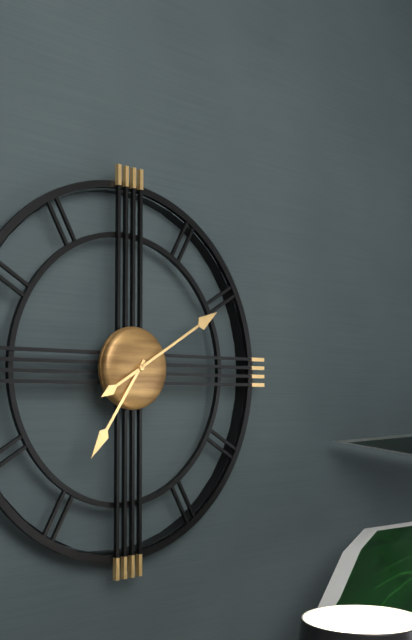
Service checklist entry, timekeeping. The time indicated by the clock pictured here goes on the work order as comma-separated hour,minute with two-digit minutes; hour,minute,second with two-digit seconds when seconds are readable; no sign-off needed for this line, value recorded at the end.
7,10
